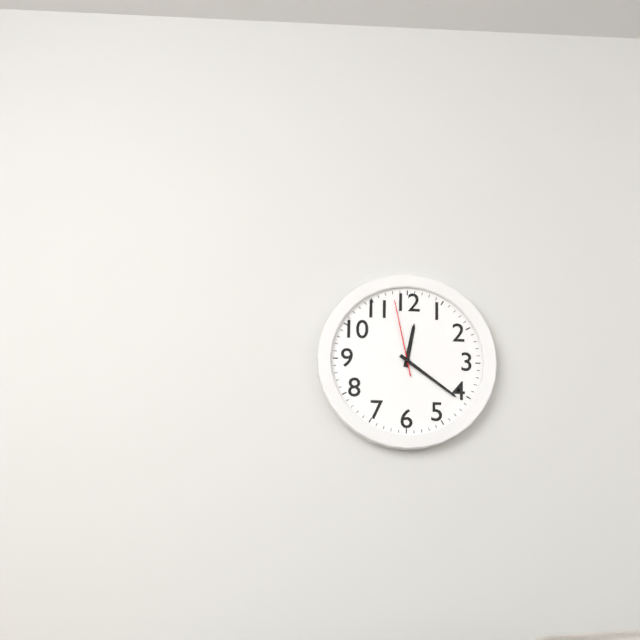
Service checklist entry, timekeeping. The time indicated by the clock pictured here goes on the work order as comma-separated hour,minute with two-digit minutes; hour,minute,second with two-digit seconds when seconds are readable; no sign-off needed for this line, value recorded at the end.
12,21,58
